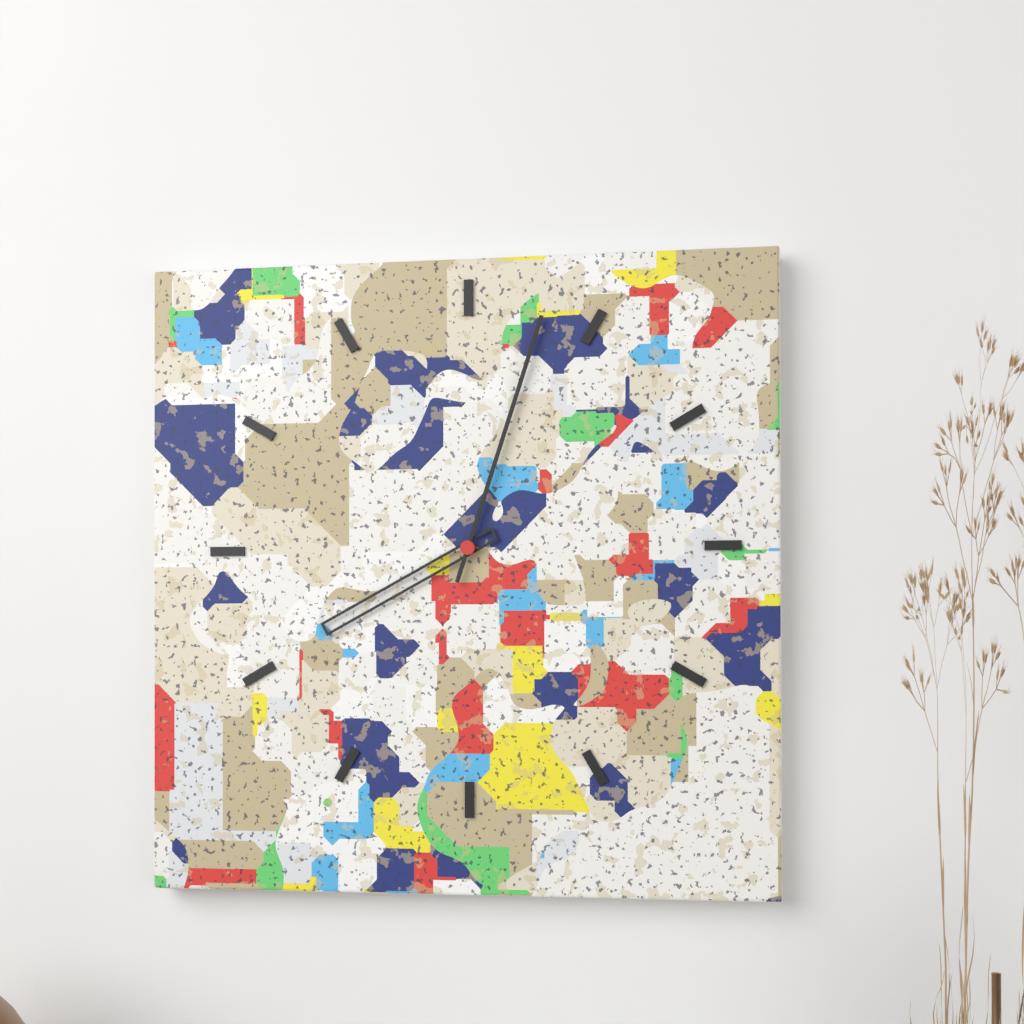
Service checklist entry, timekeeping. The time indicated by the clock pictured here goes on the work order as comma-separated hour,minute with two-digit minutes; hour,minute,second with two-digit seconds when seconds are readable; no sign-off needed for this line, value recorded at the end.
8,03
